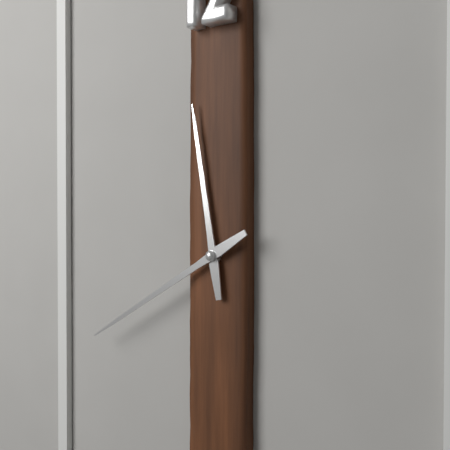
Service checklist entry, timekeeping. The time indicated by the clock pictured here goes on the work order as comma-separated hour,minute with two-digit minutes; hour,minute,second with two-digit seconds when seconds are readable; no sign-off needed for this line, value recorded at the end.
11,40
